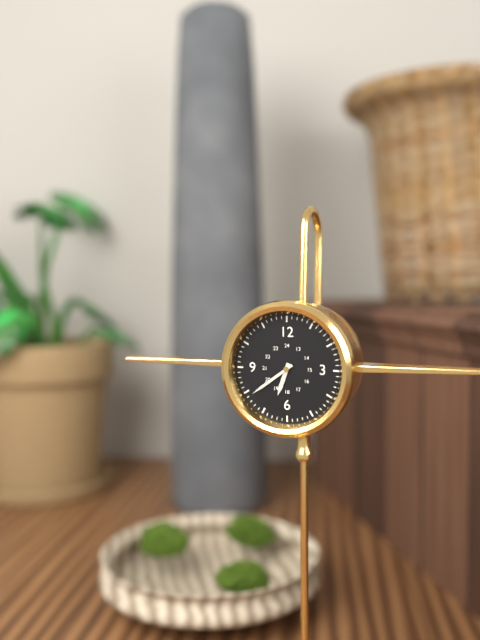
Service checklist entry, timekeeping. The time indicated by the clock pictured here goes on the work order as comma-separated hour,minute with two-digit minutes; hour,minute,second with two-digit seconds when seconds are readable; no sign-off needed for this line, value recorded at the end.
6,39
